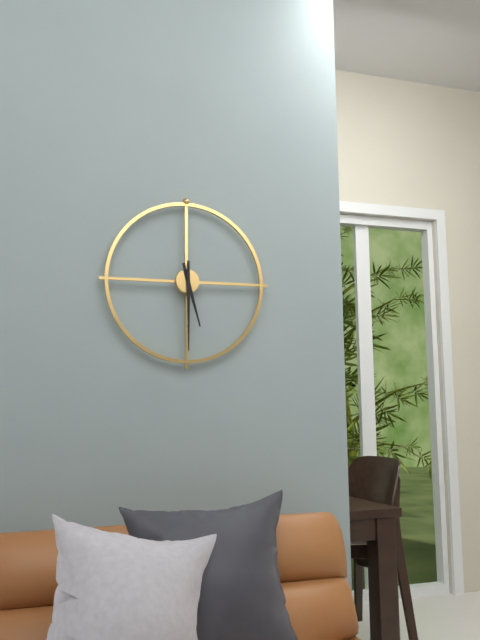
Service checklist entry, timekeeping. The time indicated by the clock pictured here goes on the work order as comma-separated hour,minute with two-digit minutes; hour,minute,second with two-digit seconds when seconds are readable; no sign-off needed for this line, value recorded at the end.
5,30
